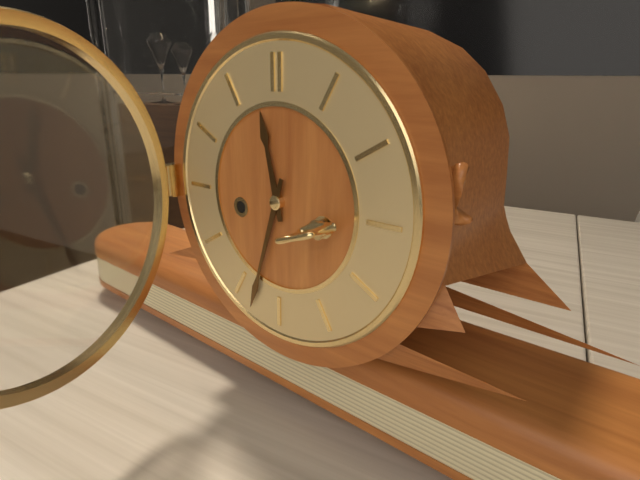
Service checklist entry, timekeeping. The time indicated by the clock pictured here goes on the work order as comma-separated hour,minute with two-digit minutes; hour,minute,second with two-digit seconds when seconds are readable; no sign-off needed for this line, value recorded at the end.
11,33
